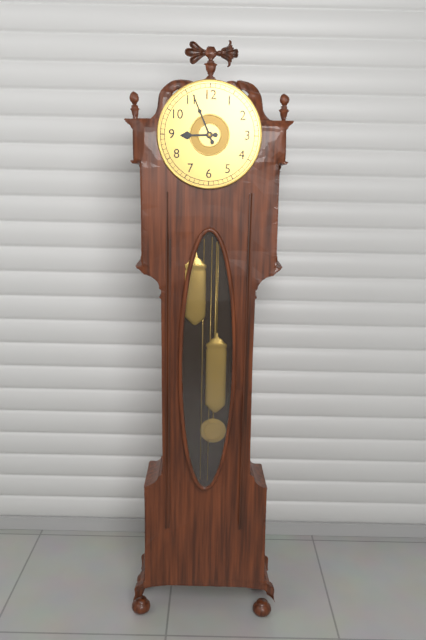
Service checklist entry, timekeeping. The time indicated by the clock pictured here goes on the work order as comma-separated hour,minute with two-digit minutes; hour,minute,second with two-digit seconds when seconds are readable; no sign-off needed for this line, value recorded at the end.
8,56
